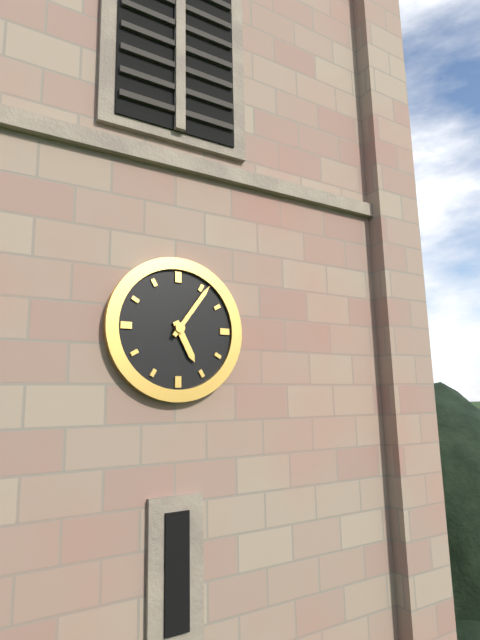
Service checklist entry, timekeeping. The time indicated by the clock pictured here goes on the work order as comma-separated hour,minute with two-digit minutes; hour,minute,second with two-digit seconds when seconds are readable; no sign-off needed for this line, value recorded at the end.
5,06
